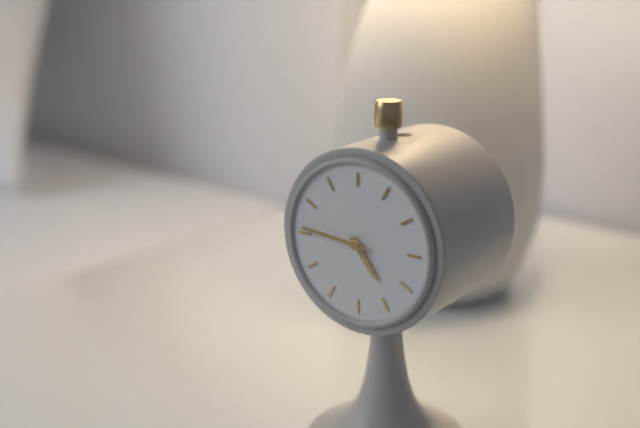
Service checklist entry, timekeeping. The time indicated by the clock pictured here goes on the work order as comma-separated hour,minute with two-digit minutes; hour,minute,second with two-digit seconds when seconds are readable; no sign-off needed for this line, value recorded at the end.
4,46
